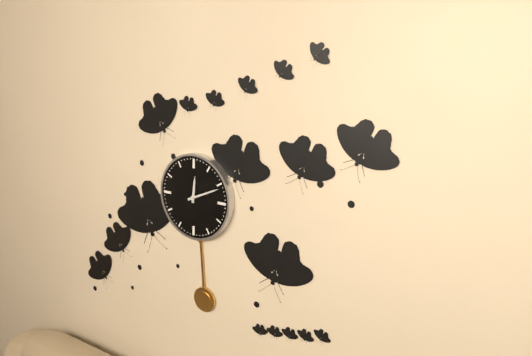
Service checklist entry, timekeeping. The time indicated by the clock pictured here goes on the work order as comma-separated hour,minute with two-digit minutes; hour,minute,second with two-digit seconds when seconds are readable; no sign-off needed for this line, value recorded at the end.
12,11
